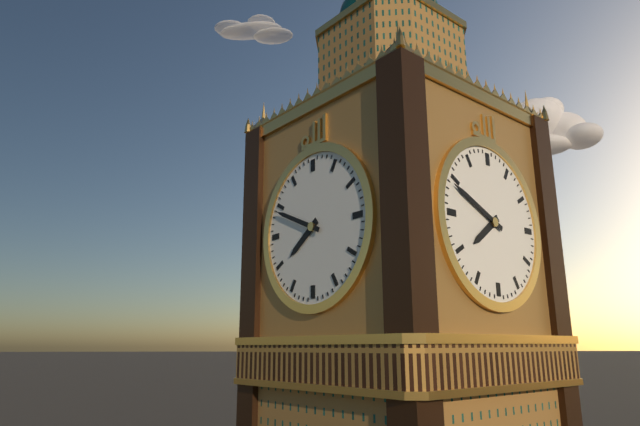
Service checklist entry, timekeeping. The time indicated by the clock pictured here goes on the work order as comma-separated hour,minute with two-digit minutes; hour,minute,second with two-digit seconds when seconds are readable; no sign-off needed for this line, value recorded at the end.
7,49
